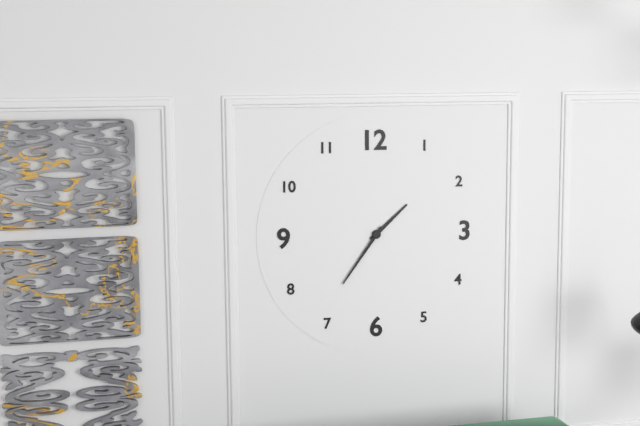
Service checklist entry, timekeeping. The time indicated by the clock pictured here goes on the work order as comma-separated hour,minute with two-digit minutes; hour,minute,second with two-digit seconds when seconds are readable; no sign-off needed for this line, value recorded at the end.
1,36
